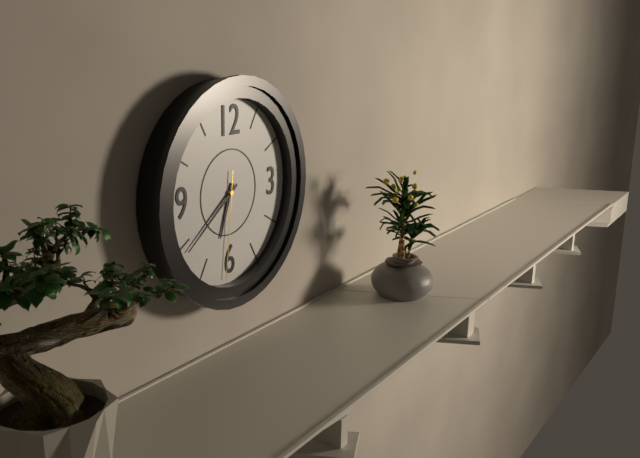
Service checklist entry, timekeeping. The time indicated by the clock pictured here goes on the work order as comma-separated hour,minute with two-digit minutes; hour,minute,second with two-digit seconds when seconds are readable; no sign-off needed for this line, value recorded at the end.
6,39,31
